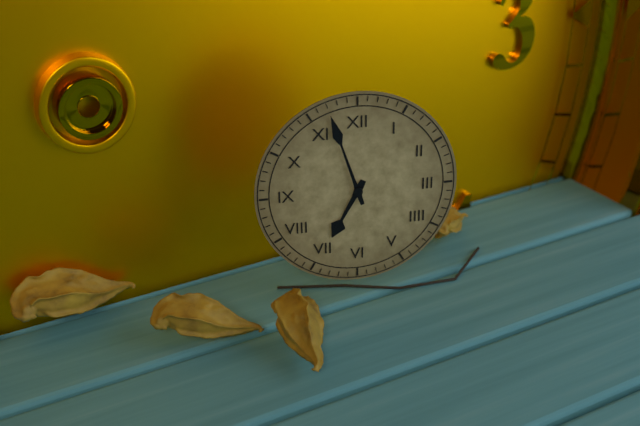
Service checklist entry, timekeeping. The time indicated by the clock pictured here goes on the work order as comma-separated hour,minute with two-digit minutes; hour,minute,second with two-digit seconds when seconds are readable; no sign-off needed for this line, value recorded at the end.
6,57
